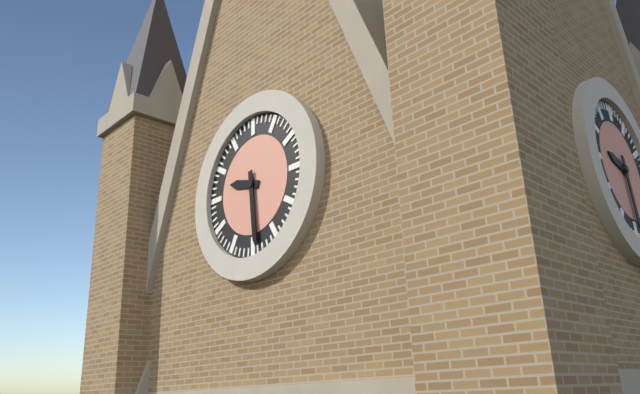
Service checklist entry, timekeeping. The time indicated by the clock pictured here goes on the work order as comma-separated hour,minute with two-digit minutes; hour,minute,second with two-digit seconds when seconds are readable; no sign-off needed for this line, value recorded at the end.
9,29
